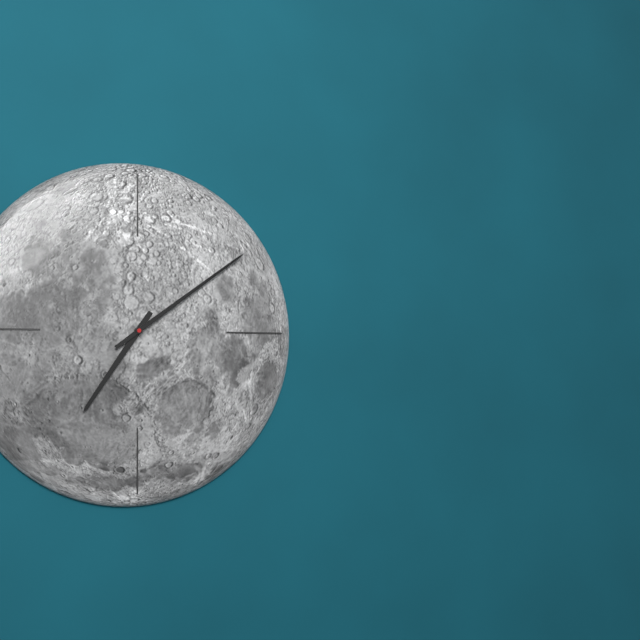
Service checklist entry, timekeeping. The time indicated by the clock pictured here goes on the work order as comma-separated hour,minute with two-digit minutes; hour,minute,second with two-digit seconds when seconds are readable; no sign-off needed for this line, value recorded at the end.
7,09
